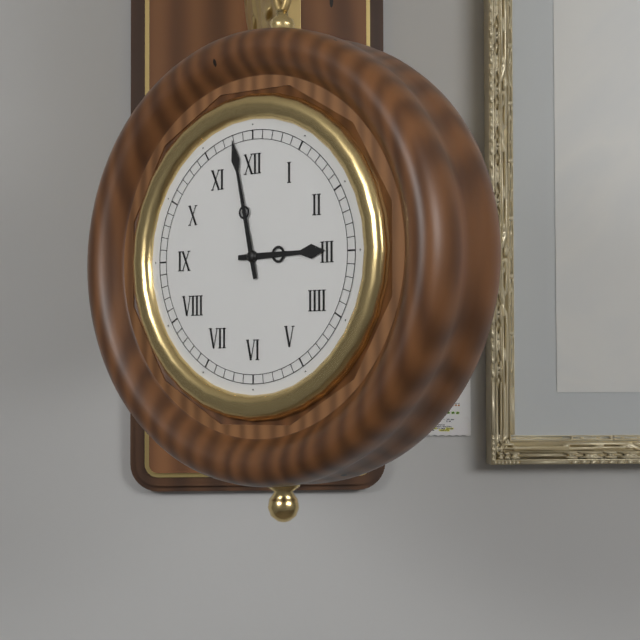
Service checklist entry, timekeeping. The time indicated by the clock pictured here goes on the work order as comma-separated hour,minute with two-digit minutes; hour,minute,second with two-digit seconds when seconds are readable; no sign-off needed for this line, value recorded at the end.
2,58
